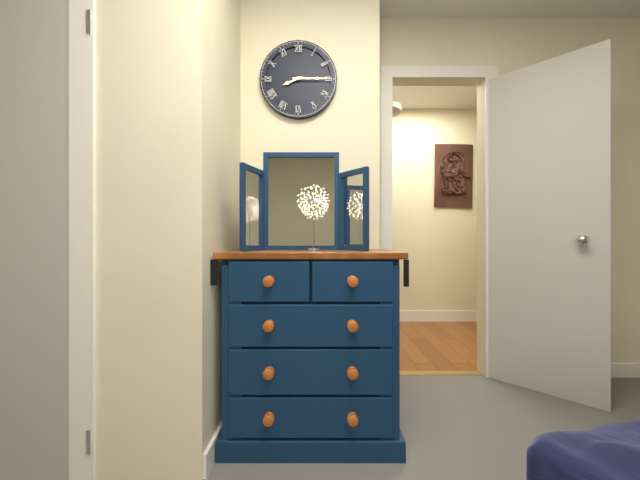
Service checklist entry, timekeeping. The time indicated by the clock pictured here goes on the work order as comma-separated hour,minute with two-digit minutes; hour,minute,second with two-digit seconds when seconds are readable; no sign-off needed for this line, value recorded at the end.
8,15
